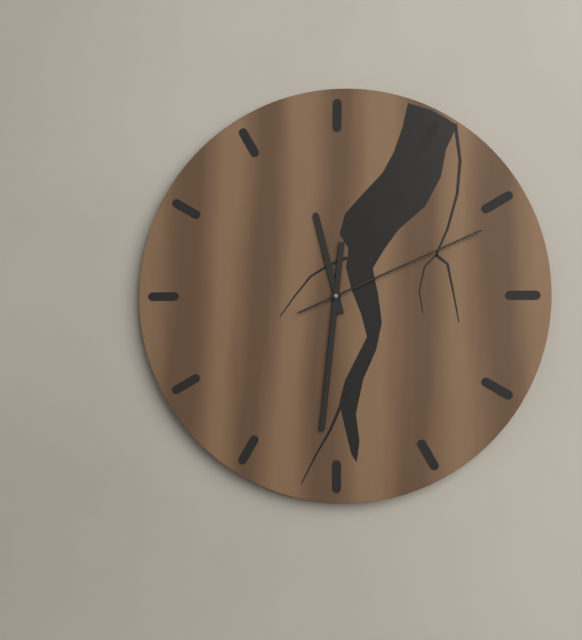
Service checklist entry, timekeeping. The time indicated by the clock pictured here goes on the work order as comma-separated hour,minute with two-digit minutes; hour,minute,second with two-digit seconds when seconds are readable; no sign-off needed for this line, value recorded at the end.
11,31,11
